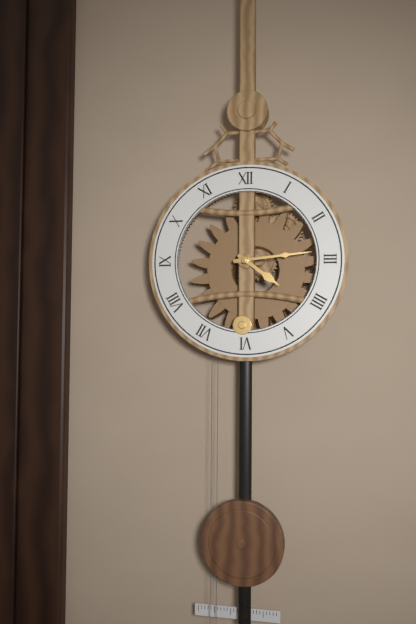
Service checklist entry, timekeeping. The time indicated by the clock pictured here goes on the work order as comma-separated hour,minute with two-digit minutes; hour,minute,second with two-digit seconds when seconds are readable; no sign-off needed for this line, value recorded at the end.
4,14
